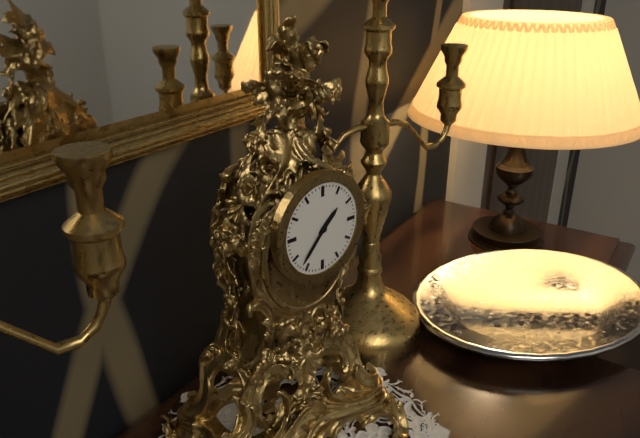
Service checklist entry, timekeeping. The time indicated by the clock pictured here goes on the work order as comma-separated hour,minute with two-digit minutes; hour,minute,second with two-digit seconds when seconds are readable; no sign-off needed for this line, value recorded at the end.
1,37
